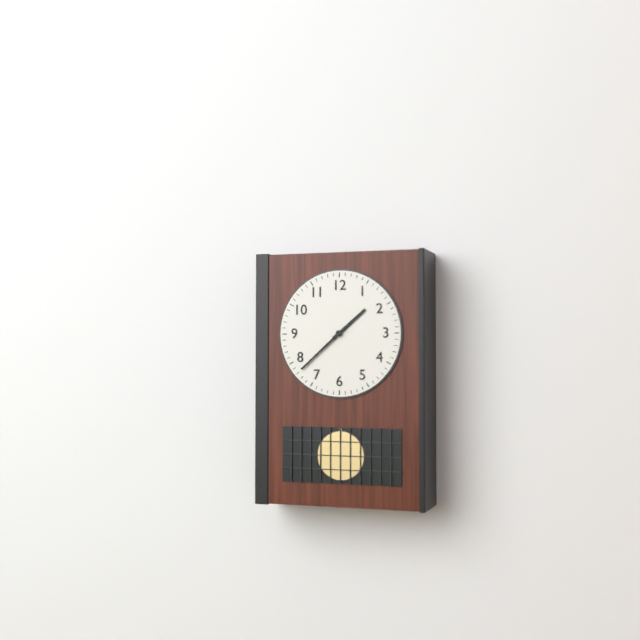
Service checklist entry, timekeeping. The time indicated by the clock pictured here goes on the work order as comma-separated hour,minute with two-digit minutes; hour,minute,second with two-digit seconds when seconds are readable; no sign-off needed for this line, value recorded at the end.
1,38
